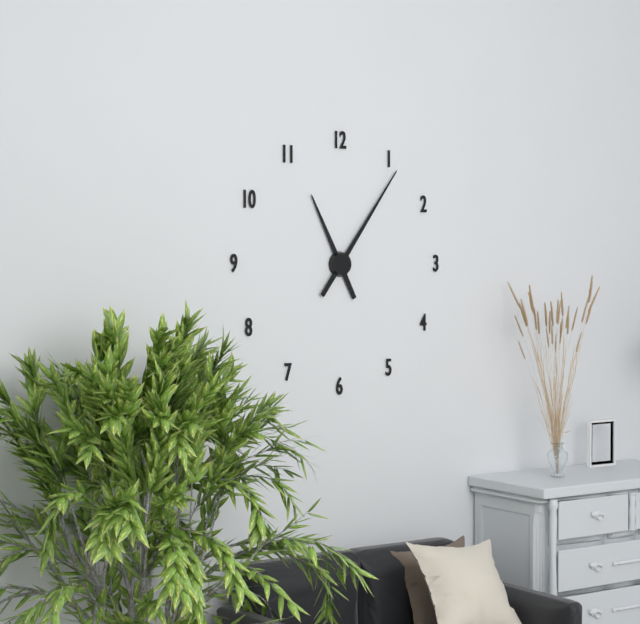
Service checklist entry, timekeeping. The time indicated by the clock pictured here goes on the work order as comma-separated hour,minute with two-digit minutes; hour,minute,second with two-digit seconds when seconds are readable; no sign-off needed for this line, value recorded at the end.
11,06
